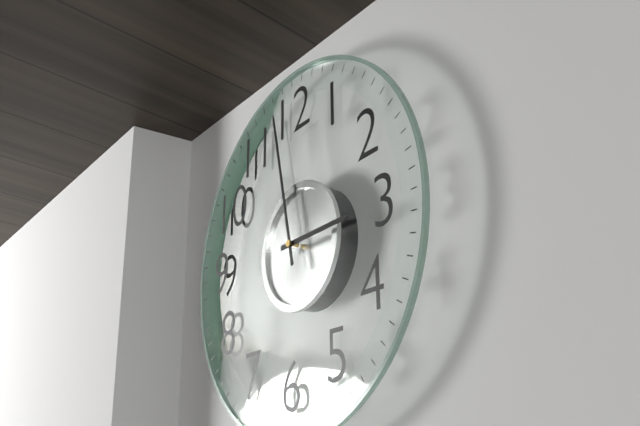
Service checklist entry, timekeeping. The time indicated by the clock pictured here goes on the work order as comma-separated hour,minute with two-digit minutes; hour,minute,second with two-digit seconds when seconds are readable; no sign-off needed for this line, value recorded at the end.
2,58
